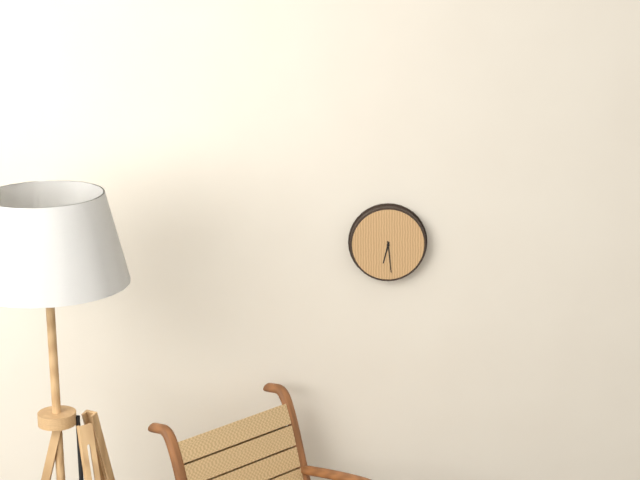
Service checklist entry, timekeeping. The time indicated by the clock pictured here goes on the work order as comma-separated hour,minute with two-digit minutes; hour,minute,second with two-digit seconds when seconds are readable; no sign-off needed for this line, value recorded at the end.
6,29
